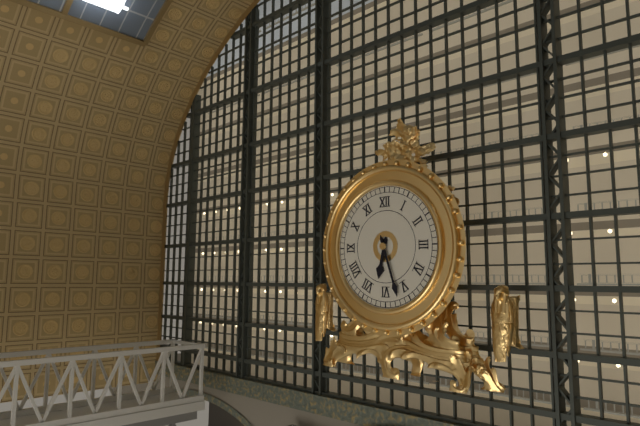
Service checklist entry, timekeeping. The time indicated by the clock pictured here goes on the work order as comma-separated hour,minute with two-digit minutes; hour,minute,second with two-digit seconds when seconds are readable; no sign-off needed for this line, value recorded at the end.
6,27
